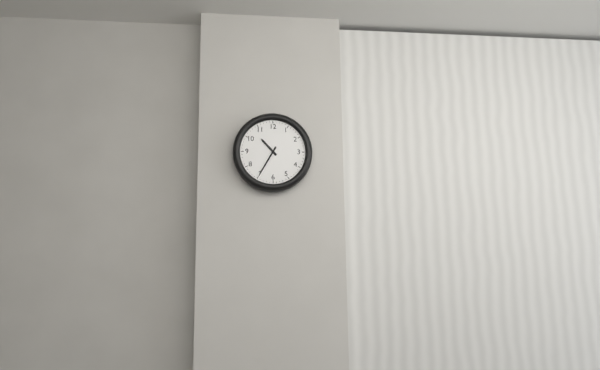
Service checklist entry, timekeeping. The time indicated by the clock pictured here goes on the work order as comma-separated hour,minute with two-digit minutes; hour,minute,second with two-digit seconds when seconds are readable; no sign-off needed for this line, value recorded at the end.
10,35
